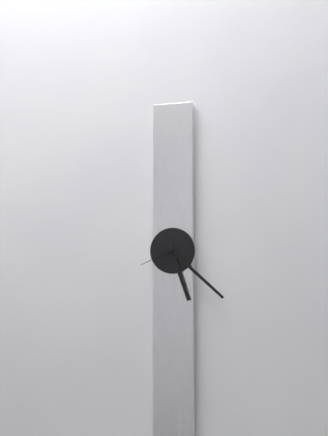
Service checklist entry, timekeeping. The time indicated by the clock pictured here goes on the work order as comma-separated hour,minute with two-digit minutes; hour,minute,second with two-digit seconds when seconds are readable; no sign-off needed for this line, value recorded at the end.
5,22
